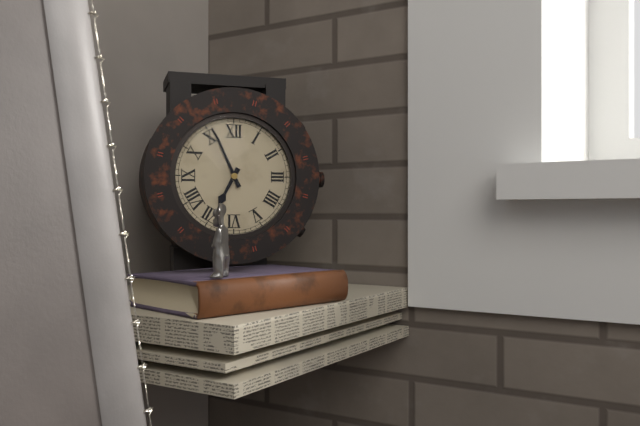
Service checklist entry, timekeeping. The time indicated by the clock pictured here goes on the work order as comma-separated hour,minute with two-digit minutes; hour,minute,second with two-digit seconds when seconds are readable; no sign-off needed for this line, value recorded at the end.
6,56
